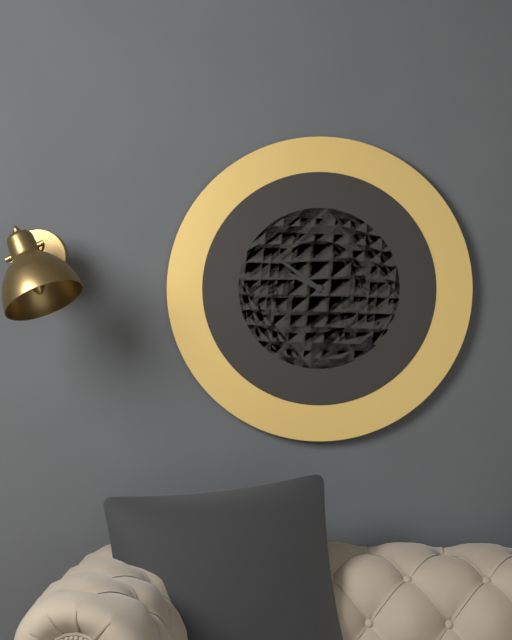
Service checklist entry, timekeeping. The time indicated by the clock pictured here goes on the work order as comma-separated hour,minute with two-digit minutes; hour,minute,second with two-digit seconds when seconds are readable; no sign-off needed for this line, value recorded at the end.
9,51
